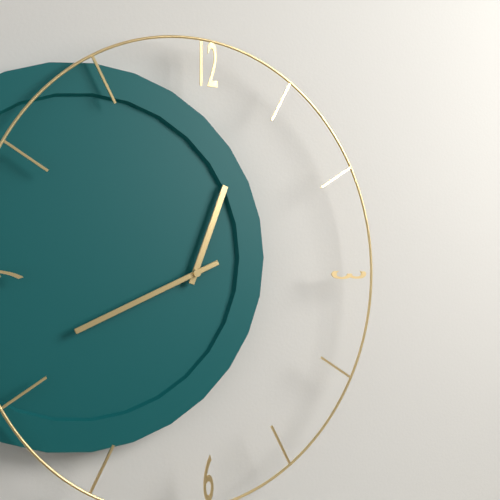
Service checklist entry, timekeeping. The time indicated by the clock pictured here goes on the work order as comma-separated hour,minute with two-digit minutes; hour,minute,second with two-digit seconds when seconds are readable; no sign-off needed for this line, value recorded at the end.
12,41
